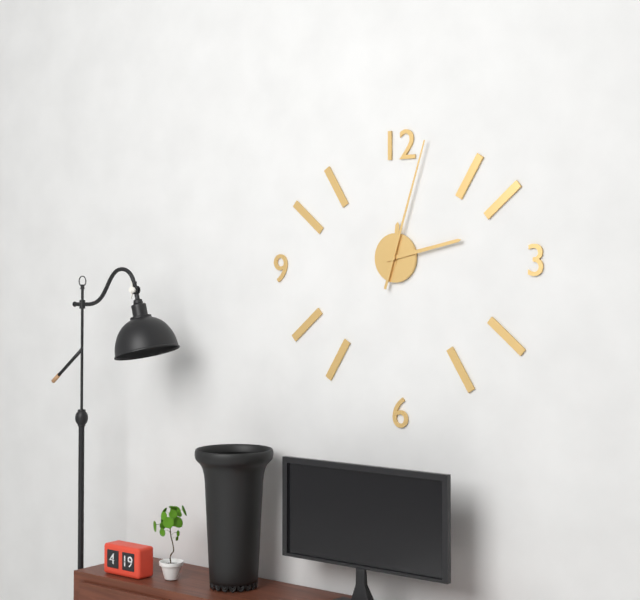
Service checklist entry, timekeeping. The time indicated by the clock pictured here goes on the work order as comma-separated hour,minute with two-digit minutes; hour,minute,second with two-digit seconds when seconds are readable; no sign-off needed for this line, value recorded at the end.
12,13,03
